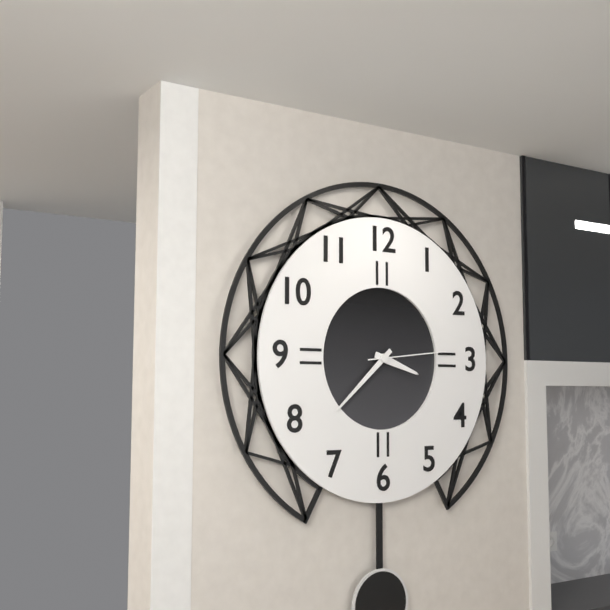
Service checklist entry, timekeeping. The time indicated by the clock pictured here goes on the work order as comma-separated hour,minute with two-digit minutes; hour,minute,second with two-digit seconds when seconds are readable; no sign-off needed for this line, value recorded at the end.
3,38,14
